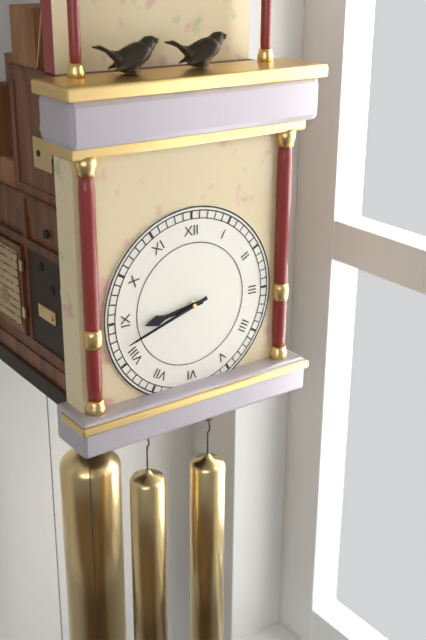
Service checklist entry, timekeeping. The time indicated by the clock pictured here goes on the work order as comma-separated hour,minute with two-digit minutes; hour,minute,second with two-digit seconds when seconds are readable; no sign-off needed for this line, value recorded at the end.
8,42
